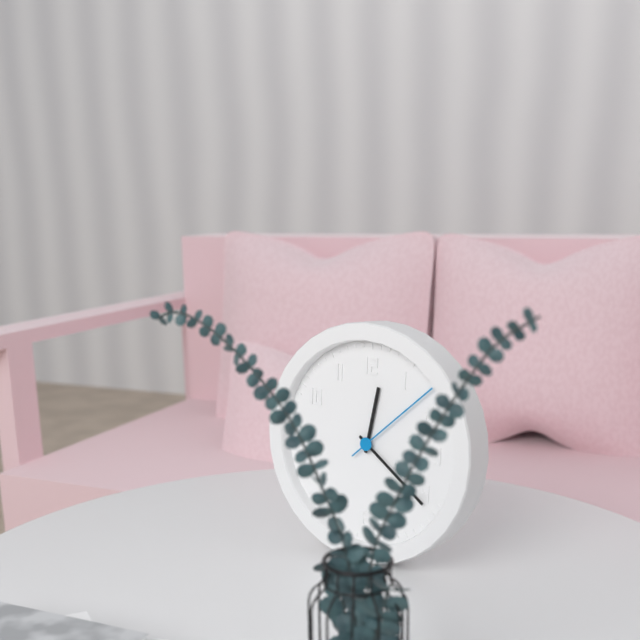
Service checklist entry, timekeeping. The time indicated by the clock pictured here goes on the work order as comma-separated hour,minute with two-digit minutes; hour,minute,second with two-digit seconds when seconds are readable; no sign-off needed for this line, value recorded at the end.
12,21,08
